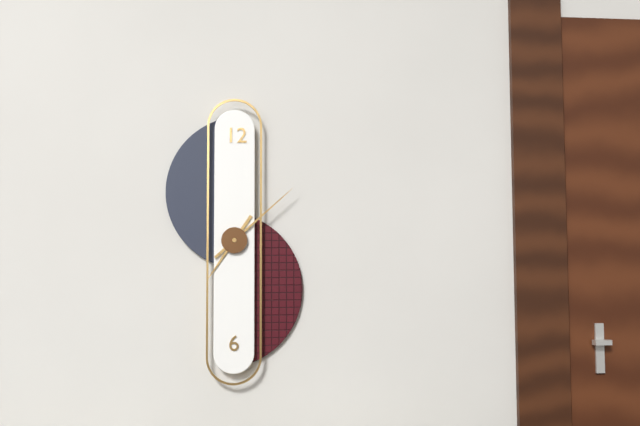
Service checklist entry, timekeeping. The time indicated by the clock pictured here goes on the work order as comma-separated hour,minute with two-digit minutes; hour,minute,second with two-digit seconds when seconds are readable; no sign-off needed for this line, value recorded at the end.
7,08
